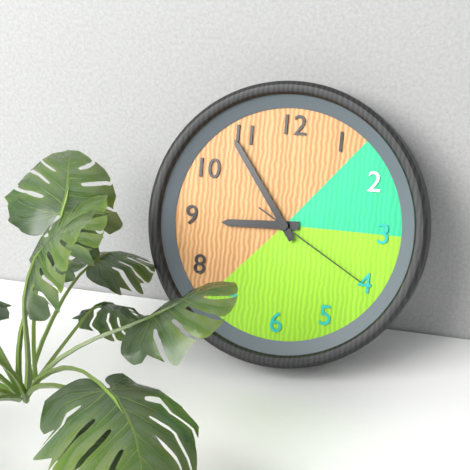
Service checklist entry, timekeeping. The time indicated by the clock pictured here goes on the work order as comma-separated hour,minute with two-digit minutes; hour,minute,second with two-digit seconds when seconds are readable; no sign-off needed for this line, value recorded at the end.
8,54,20
